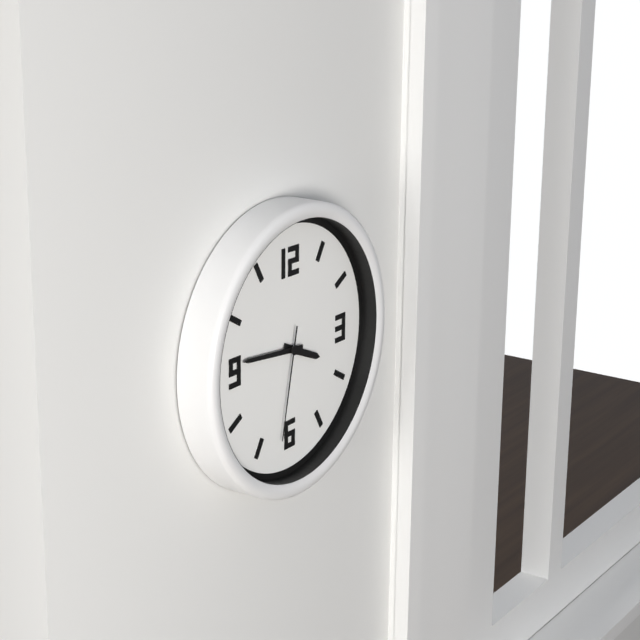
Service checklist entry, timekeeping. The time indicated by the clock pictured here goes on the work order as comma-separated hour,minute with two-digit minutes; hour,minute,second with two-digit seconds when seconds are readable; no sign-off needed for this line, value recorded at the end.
3,46,32
